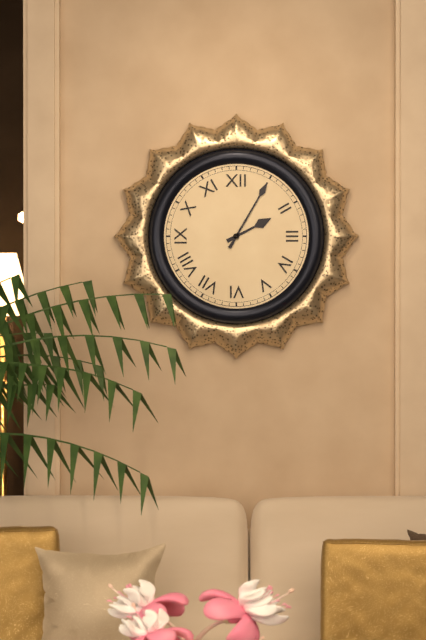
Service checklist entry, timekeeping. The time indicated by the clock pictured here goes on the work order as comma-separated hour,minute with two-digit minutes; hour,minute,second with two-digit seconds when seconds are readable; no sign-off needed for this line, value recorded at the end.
2,05
